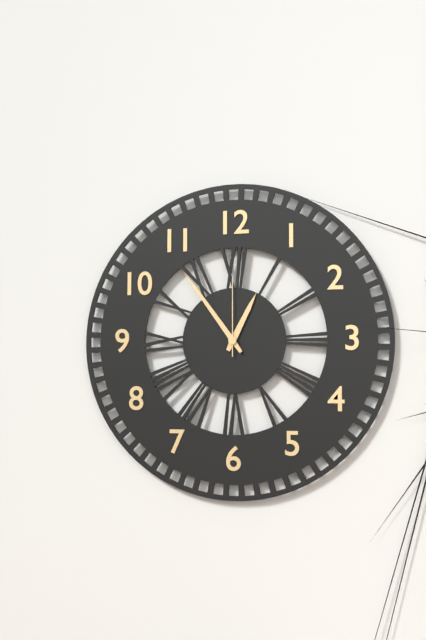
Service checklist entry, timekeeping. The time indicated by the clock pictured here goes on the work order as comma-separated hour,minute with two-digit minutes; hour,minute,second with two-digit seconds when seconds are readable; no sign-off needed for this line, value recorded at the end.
12,54,00
